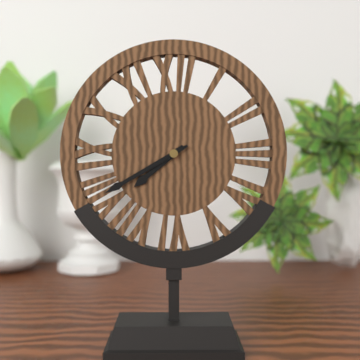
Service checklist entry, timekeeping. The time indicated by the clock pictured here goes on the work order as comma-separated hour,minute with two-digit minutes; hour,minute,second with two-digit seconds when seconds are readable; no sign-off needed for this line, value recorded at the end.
7,40
